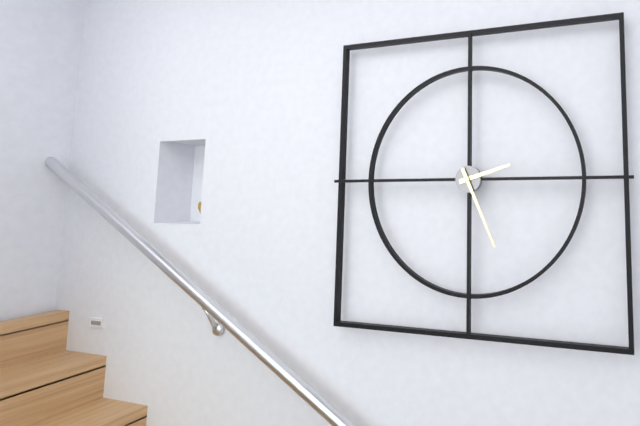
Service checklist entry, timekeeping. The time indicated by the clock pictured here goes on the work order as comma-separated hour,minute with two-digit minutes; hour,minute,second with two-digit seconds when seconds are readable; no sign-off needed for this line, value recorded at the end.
2,26
